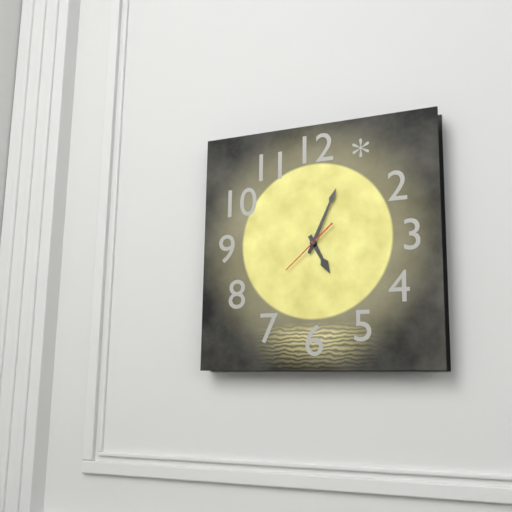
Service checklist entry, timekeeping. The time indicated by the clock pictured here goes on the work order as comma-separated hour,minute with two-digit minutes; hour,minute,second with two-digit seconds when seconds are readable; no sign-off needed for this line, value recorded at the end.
5,04
